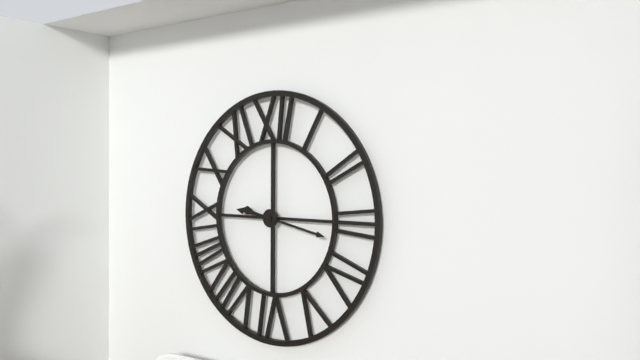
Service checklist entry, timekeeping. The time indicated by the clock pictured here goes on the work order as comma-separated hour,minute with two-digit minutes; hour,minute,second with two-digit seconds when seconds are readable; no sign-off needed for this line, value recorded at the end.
9,17
